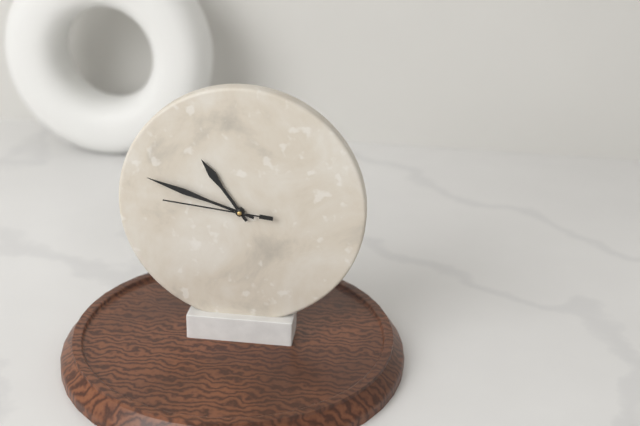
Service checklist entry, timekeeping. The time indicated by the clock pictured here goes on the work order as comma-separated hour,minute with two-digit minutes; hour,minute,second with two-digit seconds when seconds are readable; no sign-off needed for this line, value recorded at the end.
10,48,46
